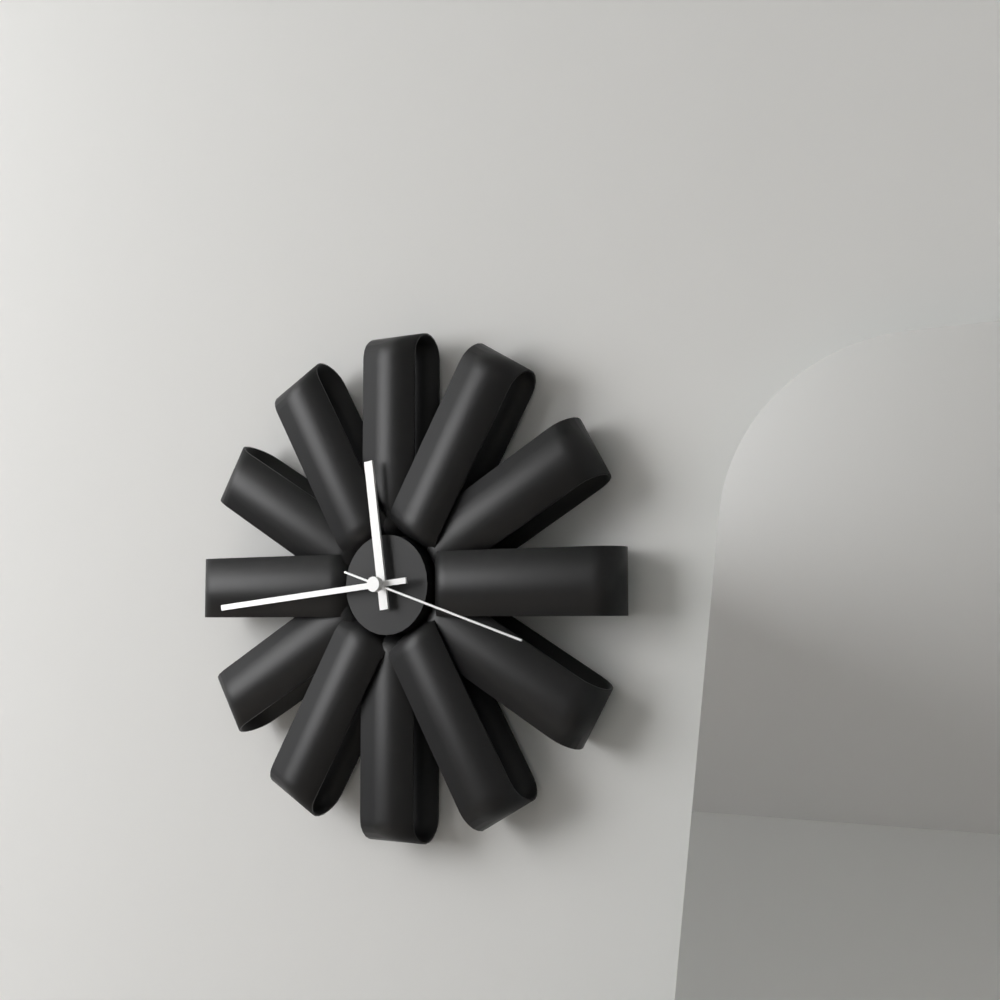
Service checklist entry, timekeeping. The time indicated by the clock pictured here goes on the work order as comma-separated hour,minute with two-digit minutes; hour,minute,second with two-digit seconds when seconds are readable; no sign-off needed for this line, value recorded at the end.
11,44,18
